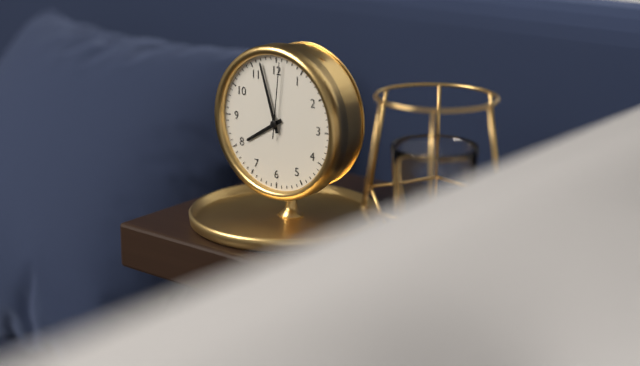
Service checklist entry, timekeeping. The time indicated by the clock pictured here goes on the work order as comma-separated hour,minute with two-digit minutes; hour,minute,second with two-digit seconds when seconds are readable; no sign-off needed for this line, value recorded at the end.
7,57,01
